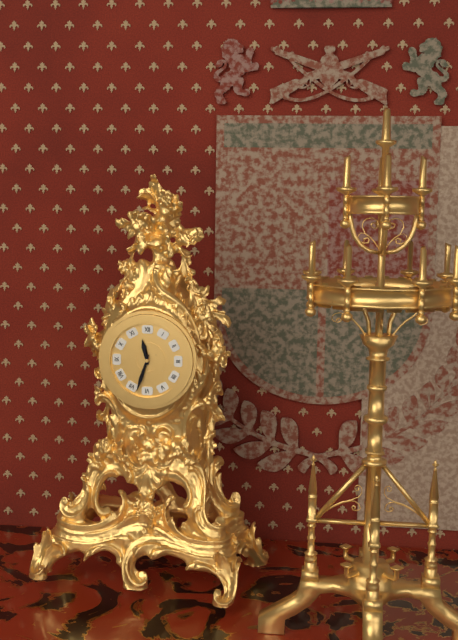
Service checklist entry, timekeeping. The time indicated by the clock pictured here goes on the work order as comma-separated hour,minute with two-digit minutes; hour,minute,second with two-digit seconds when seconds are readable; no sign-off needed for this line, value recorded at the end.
11,33
